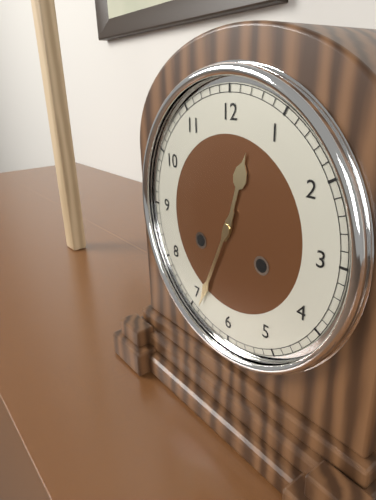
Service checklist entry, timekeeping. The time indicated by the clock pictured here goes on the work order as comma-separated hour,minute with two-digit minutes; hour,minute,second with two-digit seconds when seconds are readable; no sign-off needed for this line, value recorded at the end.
12,34
